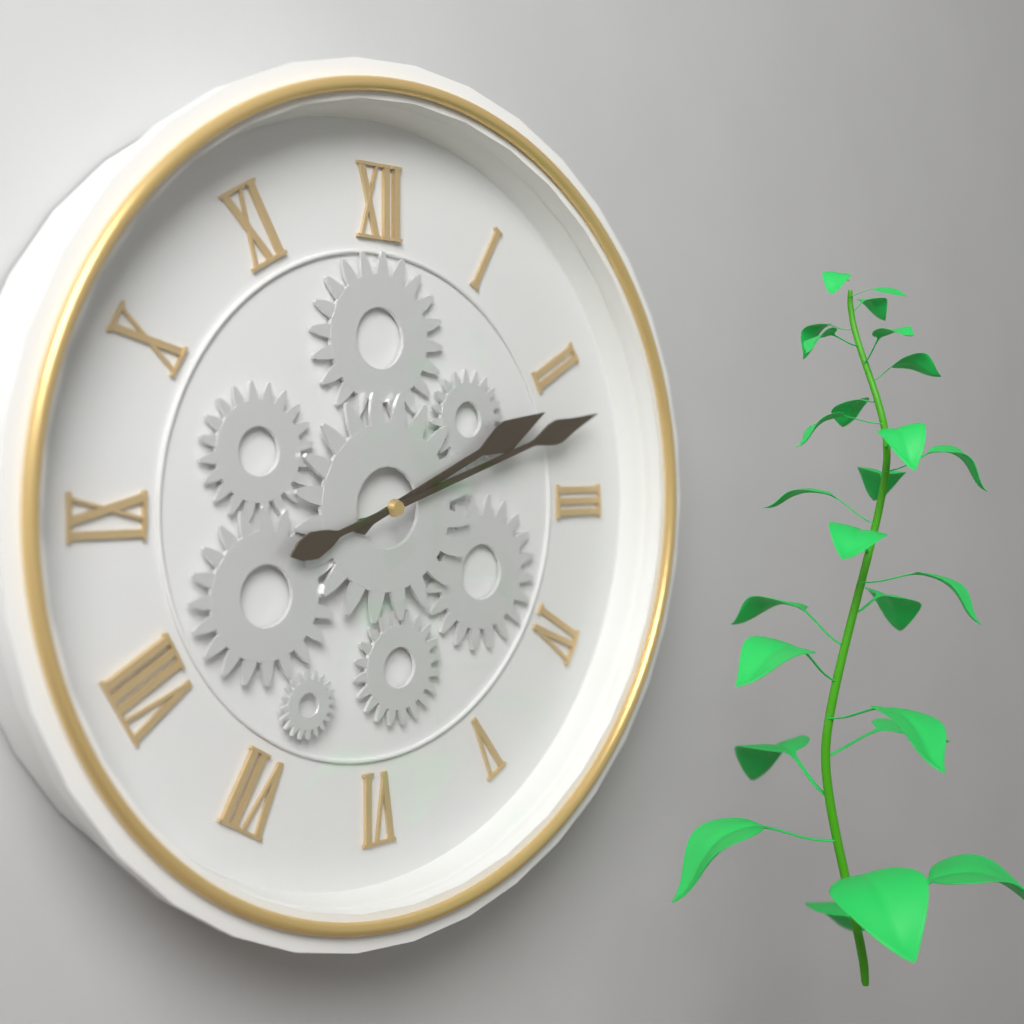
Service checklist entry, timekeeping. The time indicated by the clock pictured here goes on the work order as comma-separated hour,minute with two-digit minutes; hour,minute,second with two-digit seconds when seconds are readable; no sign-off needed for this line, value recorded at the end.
2,12
